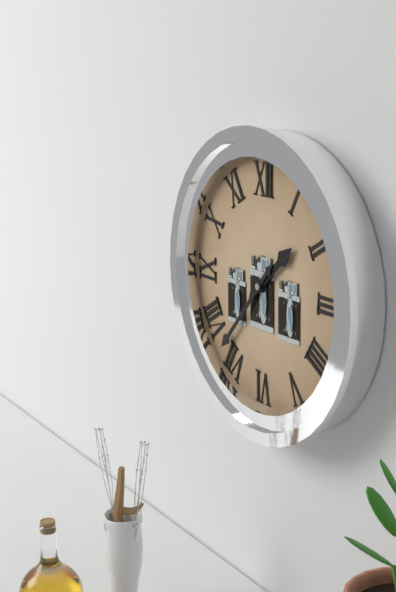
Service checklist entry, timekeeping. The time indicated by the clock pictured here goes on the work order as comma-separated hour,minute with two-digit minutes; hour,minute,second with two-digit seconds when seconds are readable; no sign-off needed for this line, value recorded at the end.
1,37
